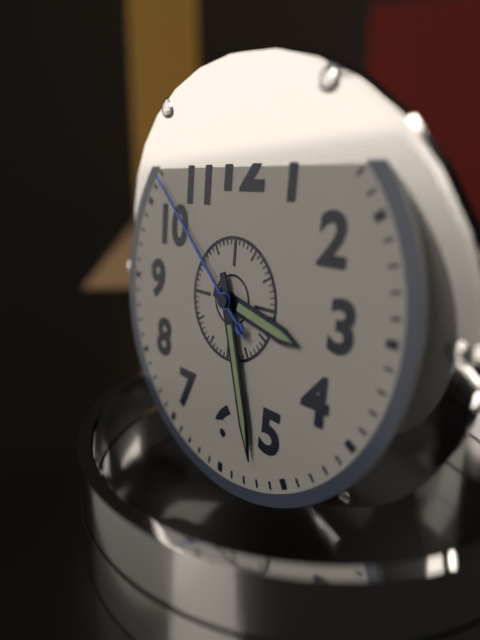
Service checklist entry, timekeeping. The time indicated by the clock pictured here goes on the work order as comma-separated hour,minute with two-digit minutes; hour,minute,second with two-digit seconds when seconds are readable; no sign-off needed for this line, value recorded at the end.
3,27,52
